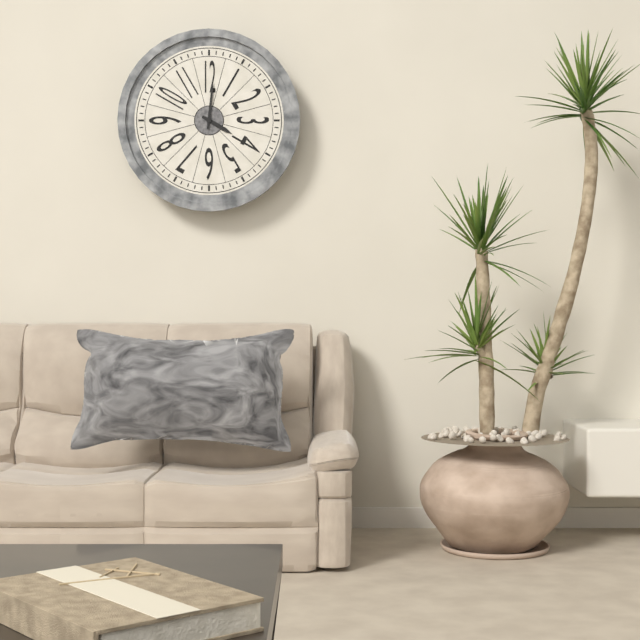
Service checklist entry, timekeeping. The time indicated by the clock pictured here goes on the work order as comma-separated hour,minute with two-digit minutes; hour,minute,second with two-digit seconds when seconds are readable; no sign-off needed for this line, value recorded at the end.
4,01
